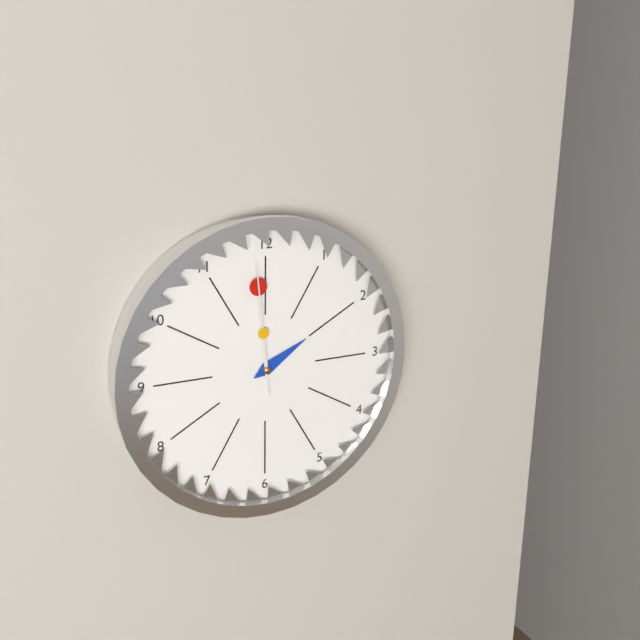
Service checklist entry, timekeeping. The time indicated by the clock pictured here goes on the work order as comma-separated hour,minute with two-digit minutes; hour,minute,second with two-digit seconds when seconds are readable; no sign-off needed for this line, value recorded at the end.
1,59,59
